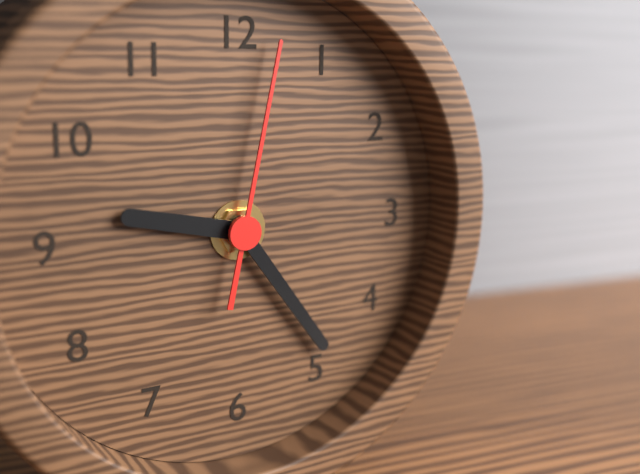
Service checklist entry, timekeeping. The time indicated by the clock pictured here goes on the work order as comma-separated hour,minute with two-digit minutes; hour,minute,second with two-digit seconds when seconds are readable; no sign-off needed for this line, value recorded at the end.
9,24,02
